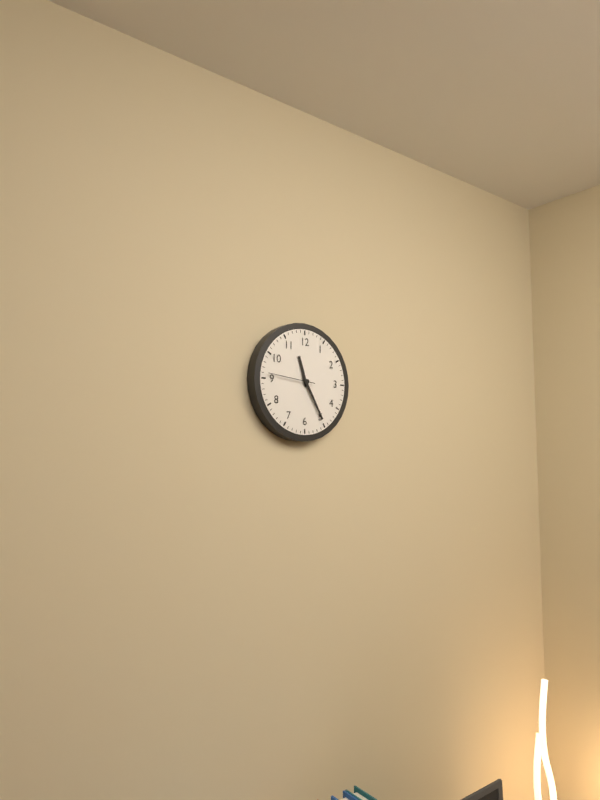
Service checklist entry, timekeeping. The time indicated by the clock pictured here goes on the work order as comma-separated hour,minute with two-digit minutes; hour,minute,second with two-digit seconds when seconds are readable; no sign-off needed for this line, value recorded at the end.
11,25
